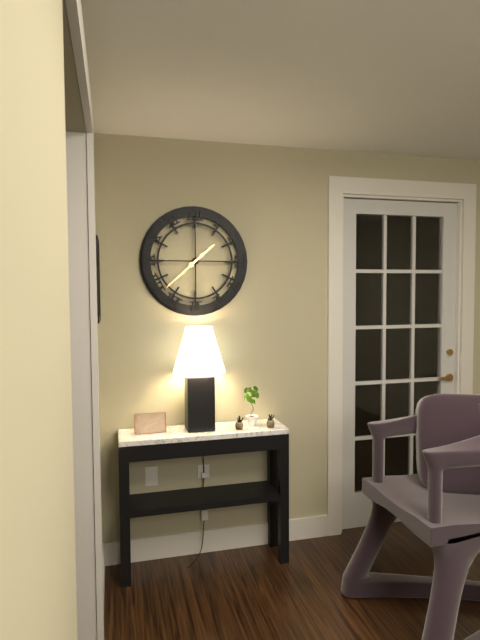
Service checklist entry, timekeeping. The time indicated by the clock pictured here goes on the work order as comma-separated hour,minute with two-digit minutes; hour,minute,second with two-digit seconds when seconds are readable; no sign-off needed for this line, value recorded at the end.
1,38
